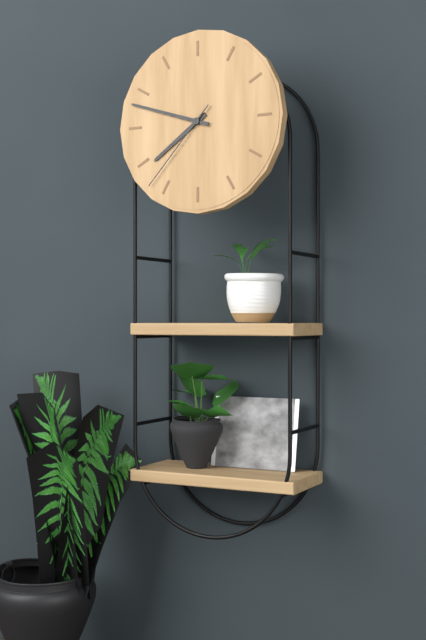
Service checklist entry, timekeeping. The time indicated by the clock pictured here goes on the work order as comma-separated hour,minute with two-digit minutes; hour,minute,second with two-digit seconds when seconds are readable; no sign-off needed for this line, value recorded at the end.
7,48,37
